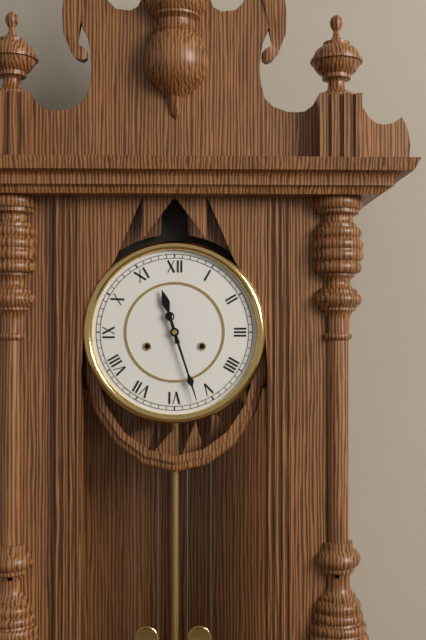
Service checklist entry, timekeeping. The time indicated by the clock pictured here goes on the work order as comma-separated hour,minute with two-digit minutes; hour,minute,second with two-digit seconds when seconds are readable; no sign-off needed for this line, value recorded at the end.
11,27
